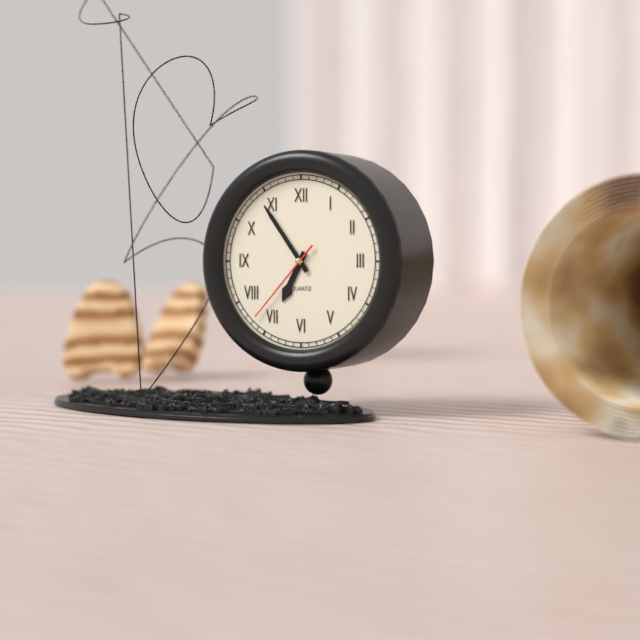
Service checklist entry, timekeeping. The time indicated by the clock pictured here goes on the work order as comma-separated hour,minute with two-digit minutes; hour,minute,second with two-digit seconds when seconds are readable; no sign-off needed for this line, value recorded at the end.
6,54,37
